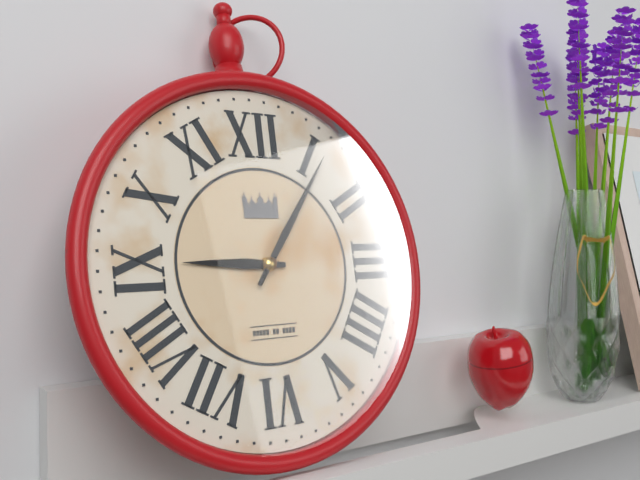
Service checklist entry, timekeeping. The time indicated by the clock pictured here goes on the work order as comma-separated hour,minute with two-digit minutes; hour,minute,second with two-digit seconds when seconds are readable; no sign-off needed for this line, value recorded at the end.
9,06
